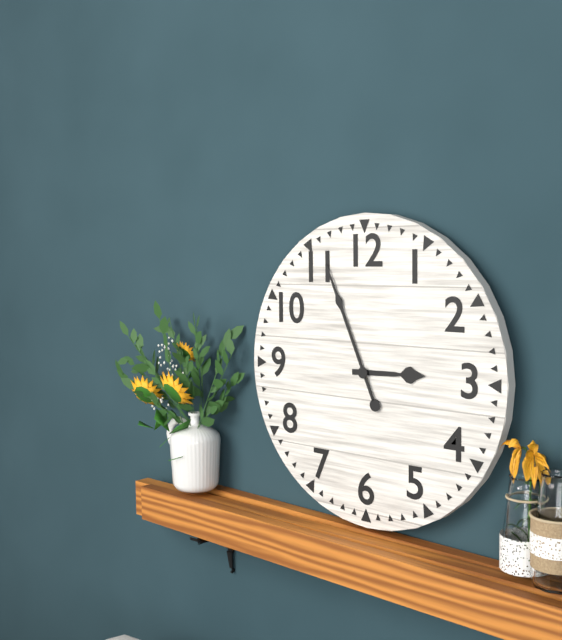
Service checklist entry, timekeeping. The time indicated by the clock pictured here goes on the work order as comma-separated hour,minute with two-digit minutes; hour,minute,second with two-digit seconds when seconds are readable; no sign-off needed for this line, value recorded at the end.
2,56
